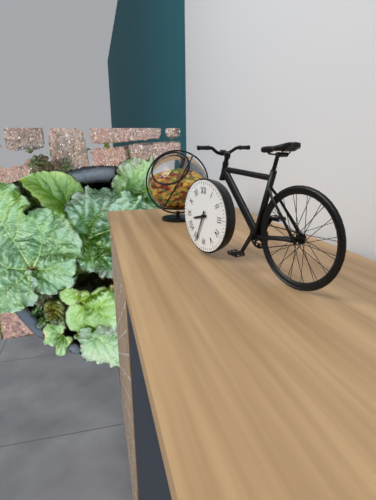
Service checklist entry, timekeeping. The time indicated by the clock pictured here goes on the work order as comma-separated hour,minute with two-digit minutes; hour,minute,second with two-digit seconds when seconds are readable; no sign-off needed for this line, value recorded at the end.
8,34
